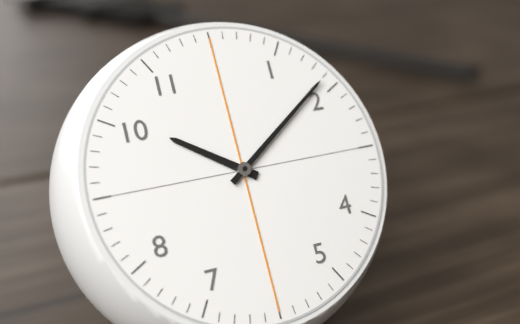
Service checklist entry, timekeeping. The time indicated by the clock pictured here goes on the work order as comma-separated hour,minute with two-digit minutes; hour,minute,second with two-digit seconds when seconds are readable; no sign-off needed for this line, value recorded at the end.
10,09
